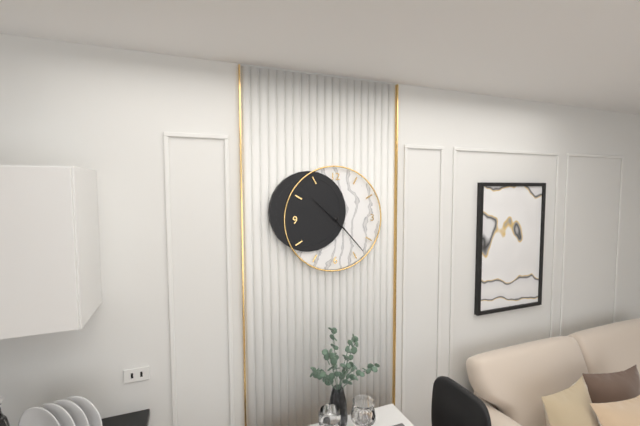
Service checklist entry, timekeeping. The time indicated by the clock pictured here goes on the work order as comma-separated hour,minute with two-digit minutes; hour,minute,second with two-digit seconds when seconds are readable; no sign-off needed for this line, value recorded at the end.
10,23
